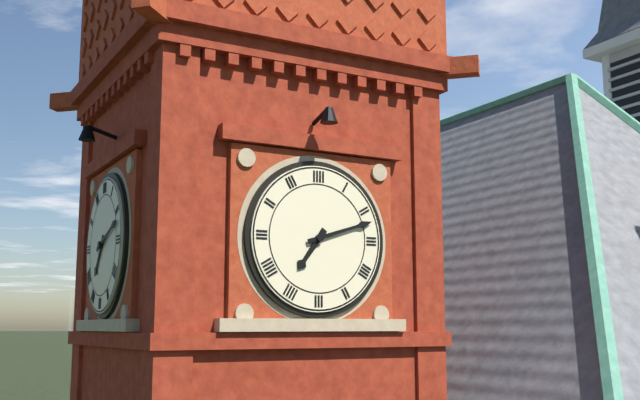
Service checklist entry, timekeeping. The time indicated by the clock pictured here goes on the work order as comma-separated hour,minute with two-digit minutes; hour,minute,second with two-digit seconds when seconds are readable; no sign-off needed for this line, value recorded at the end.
7,12
